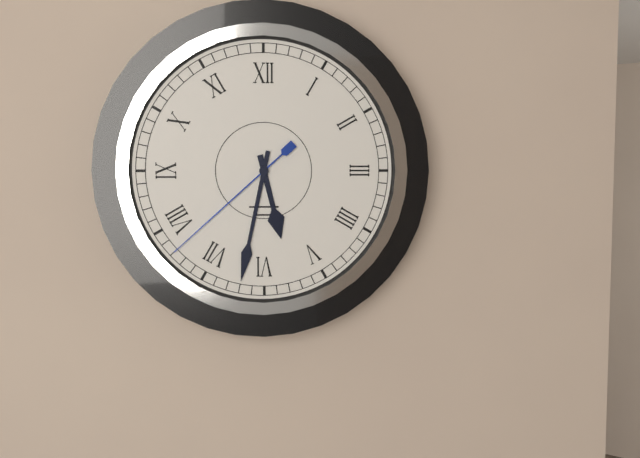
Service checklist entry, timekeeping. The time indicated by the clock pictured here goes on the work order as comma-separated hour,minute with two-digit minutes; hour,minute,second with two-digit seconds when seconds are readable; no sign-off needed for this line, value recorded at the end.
5,32,38
